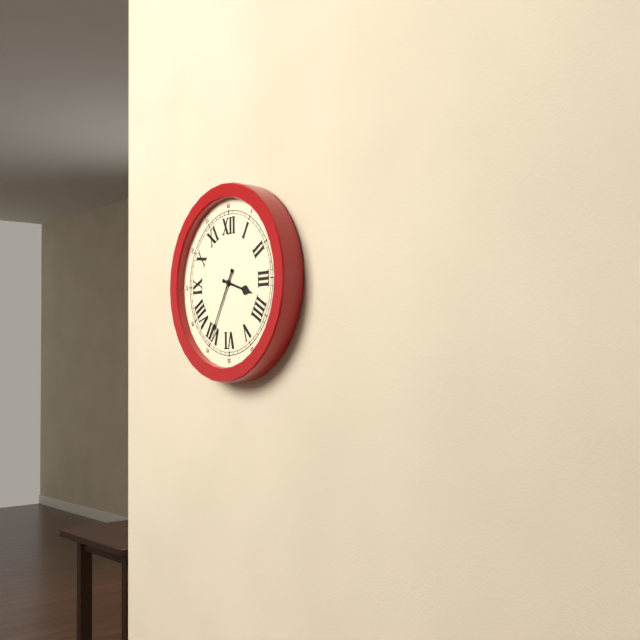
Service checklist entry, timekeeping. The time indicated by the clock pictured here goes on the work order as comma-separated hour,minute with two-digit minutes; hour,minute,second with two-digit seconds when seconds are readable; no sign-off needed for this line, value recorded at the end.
3,35
